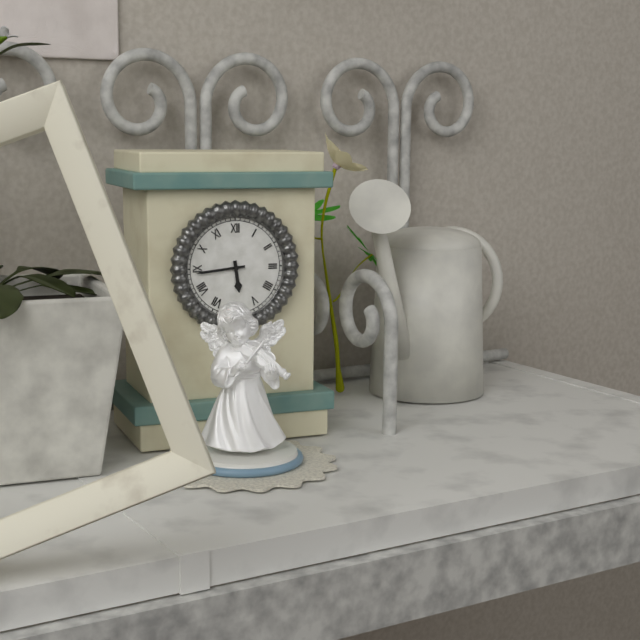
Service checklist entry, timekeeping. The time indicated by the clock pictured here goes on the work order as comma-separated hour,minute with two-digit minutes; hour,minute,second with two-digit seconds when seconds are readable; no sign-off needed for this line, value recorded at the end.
5,44
